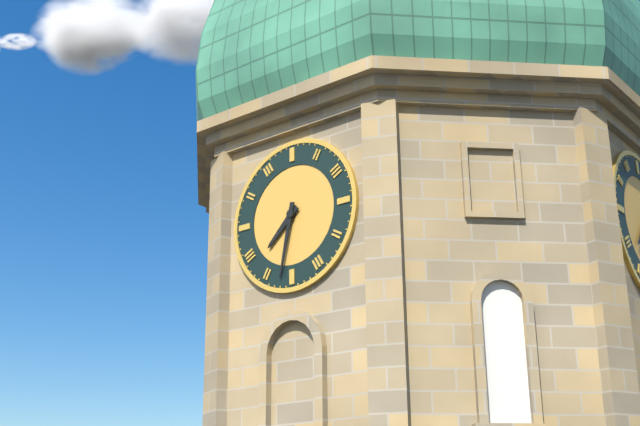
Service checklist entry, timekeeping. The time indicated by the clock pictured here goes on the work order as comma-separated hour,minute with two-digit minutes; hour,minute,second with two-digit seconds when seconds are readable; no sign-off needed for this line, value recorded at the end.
7,32
